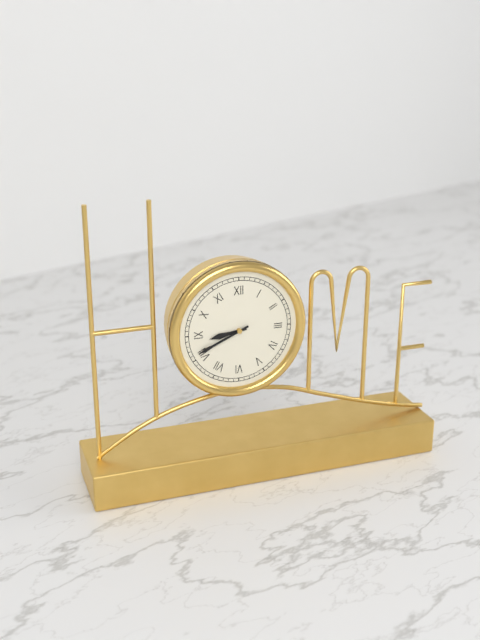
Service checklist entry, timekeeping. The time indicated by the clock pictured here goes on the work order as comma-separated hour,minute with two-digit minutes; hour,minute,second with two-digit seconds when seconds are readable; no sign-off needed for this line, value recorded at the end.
8,41
